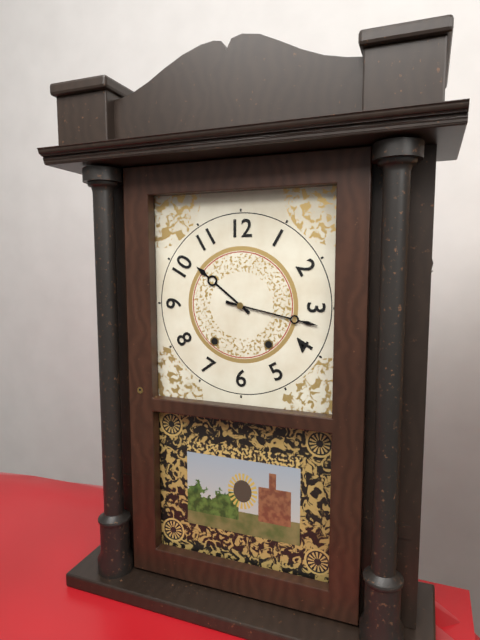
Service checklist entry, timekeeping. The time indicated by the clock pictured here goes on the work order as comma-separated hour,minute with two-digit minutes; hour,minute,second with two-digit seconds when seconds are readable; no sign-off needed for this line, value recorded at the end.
10,17
